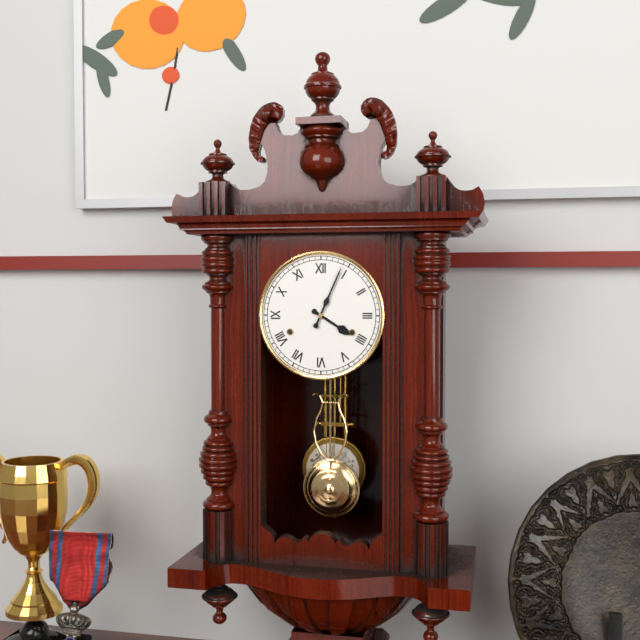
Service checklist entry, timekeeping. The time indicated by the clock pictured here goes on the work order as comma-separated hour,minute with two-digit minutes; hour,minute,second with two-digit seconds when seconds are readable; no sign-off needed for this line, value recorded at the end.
4,04
